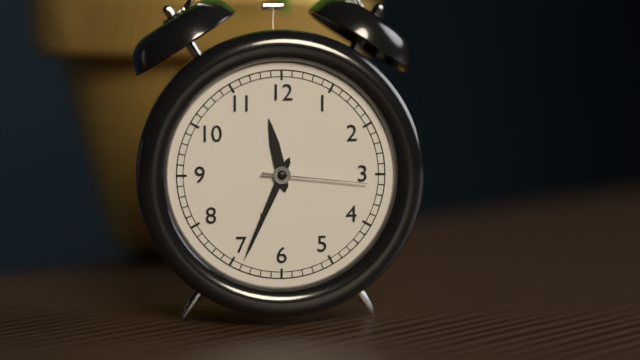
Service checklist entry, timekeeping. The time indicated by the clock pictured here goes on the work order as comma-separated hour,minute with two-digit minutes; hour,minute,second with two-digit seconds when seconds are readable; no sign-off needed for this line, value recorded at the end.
11,34,16
